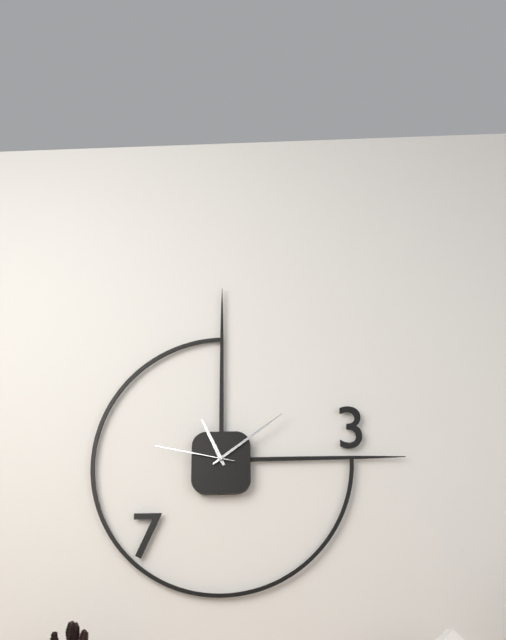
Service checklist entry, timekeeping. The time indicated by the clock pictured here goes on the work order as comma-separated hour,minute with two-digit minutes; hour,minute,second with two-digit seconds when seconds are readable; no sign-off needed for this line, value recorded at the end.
11,09,47
